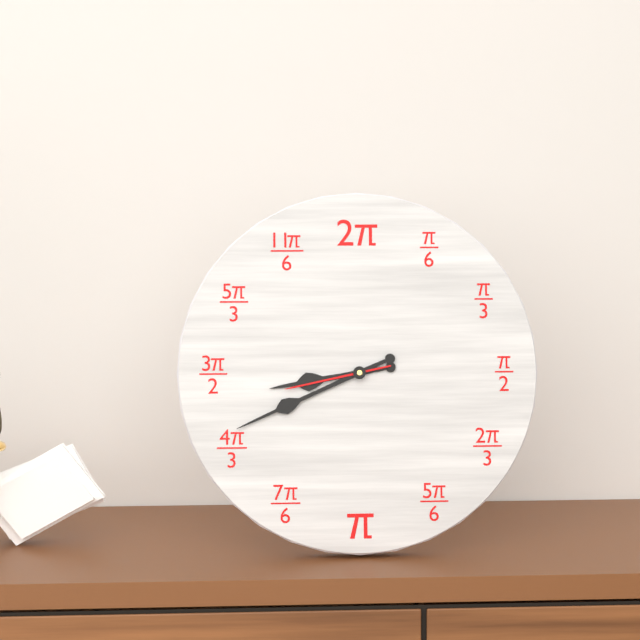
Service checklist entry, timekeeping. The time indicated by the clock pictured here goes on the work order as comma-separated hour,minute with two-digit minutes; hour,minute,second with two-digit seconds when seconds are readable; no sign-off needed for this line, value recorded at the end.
8,41,43
